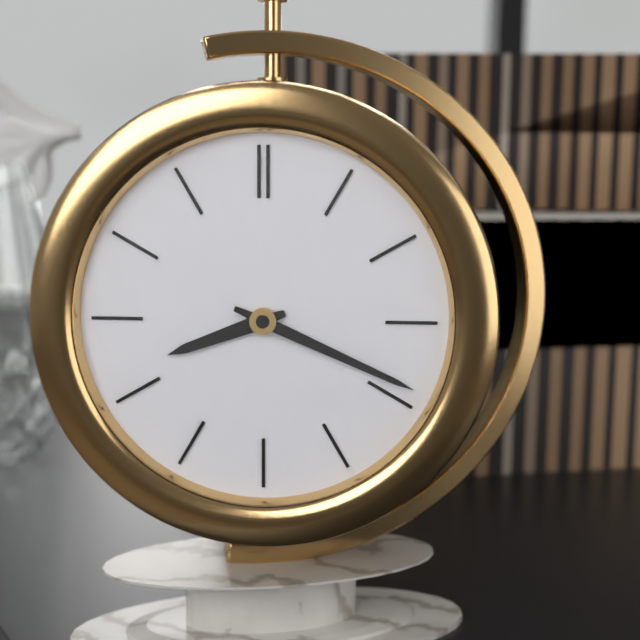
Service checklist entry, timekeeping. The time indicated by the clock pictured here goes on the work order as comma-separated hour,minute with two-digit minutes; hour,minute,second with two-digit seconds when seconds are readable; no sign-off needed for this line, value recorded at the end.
8,19
